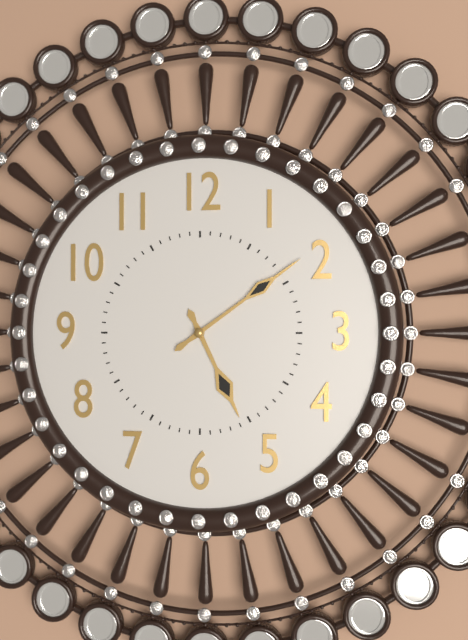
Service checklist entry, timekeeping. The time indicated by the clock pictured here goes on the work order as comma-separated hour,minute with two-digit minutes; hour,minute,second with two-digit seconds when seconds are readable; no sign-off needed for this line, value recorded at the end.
5,09
